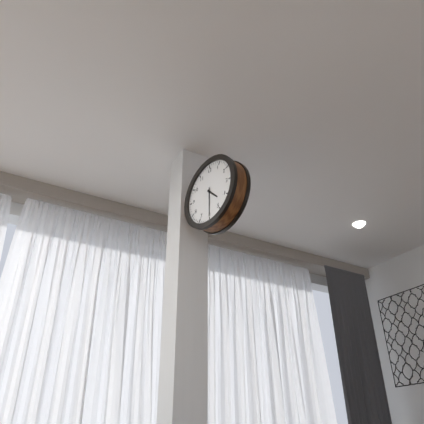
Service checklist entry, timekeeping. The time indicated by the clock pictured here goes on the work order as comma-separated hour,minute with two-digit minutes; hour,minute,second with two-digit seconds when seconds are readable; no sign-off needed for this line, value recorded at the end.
4,30
